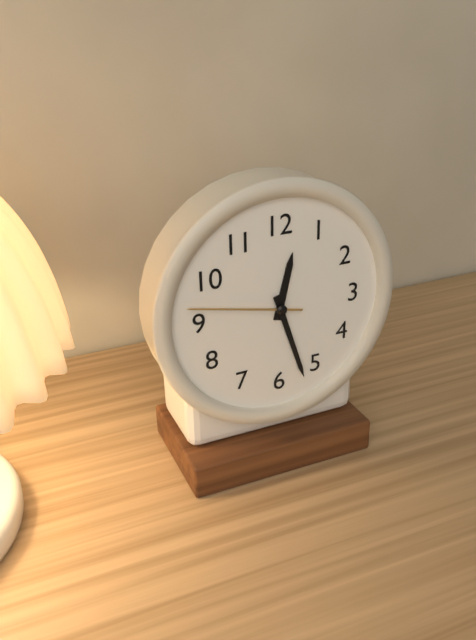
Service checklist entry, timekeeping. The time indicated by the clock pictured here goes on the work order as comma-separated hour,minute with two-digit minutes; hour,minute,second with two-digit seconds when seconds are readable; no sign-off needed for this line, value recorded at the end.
12,27,47
